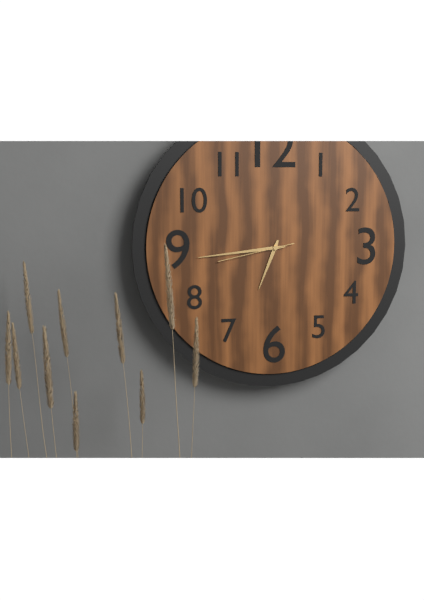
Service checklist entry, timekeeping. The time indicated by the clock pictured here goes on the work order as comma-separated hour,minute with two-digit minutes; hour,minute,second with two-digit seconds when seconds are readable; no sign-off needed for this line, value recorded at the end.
6,44,43
